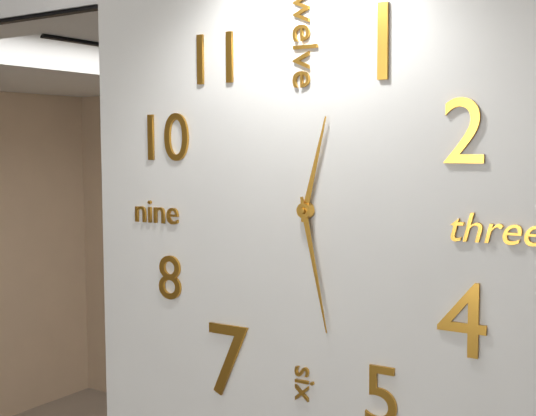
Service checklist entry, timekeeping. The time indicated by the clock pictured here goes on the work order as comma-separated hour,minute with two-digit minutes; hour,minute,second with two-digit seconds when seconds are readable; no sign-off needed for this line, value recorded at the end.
12,28
